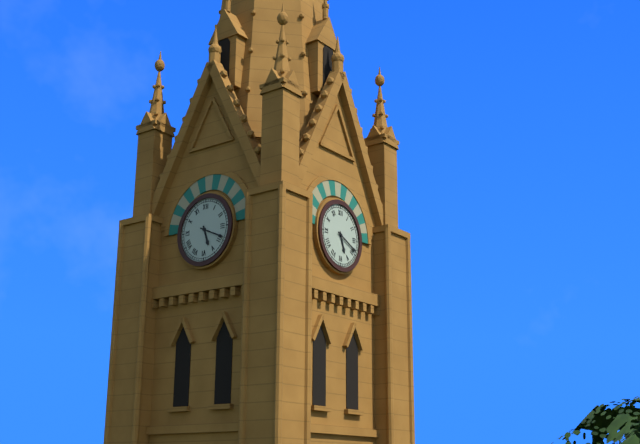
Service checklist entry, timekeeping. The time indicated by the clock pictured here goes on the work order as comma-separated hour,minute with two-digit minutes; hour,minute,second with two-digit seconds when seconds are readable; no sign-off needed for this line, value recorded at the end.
5,19
